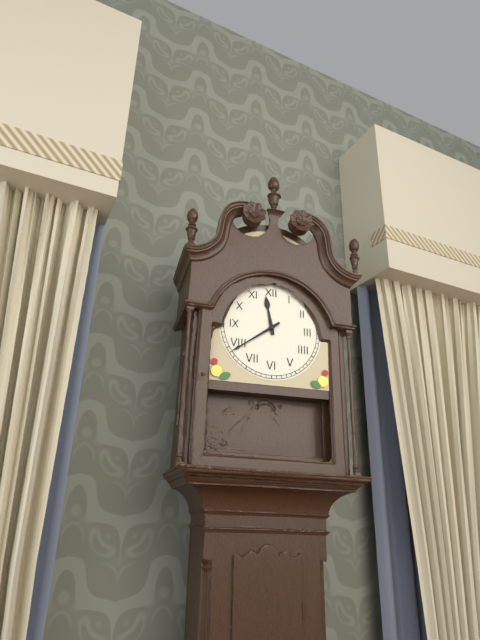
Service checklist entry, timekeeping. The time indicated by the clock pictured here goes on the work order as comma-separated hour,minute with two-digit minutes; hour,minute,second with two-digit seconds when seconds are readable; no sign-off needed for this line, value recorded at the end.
11,39
